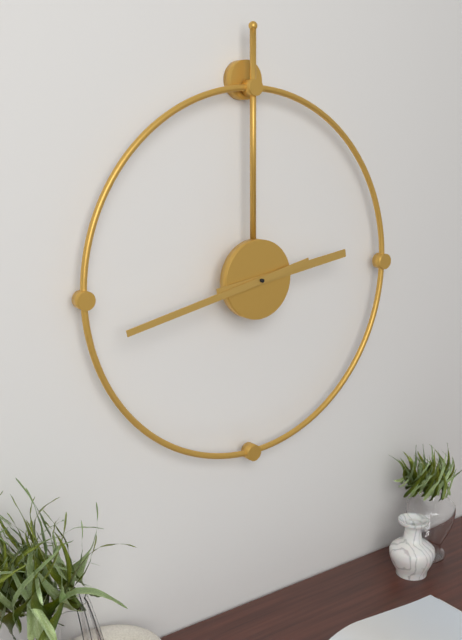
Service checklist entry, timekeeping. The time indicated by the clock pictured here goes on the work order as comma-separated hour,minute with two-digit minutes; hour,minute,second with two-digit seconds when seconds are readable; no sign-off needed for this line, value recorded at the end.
2,43
